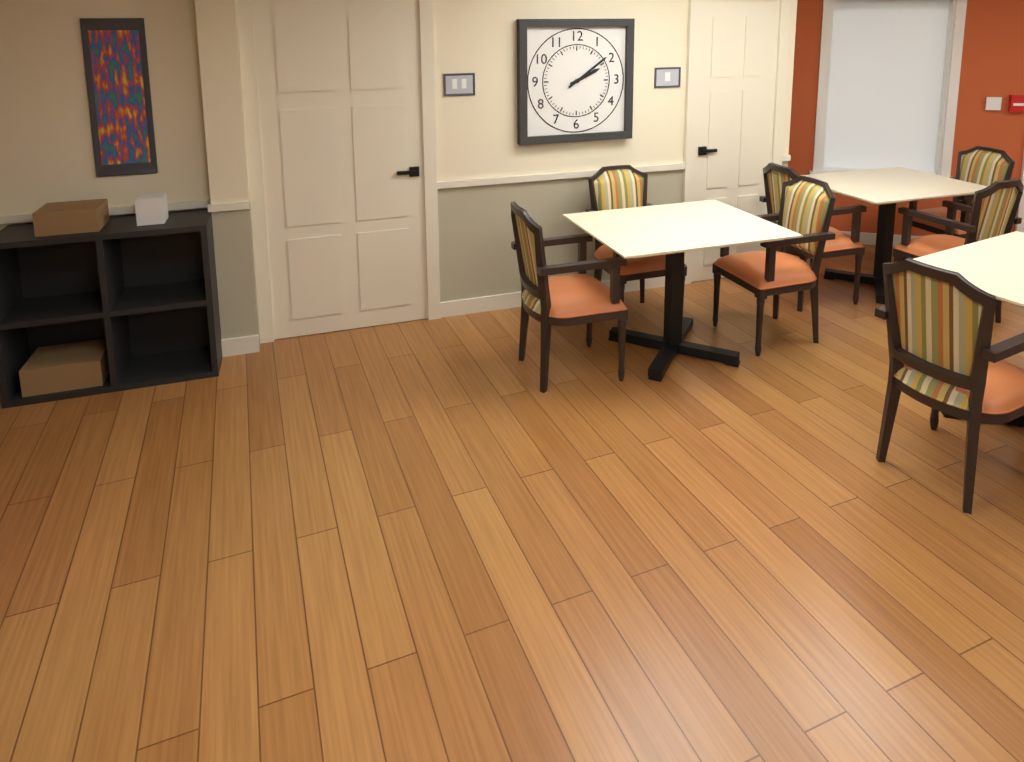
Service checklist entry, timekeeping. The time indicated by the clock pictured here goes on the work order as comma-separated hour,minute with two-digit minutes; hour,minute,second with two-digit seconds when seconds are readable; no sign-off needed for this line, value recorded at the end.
2,09
